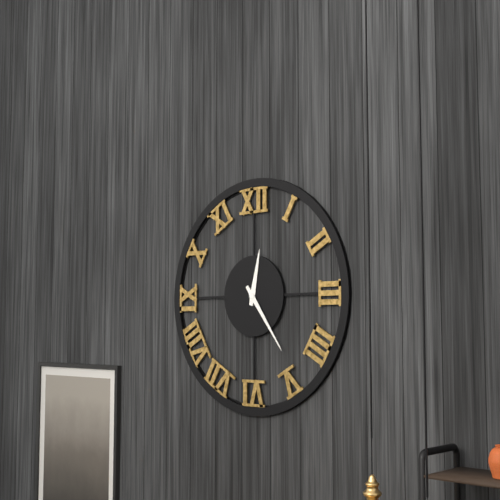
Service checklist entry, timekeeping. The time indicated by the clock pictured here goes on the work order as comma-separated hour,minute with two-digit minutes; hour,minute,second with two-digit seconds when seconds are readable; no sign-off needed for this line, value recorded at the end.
12,24
